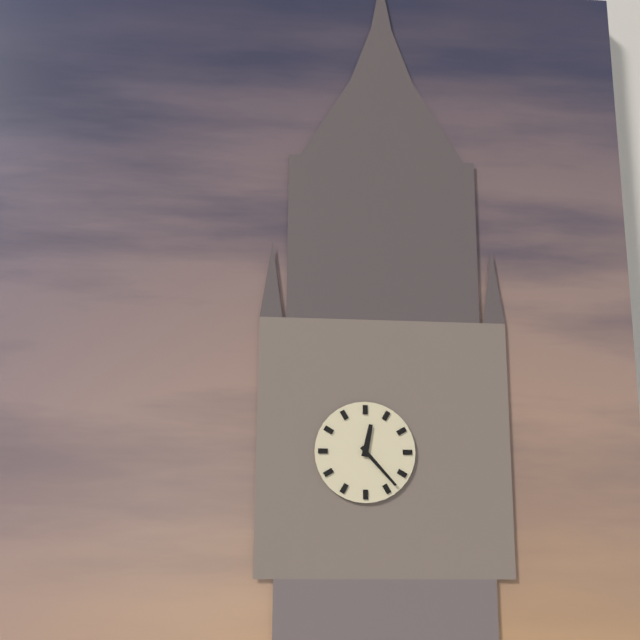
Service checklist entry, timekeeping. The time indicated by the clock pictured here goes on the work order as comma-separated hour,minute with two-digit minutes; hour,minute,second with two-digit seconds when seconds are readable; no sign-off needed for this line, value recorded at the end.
12,23
